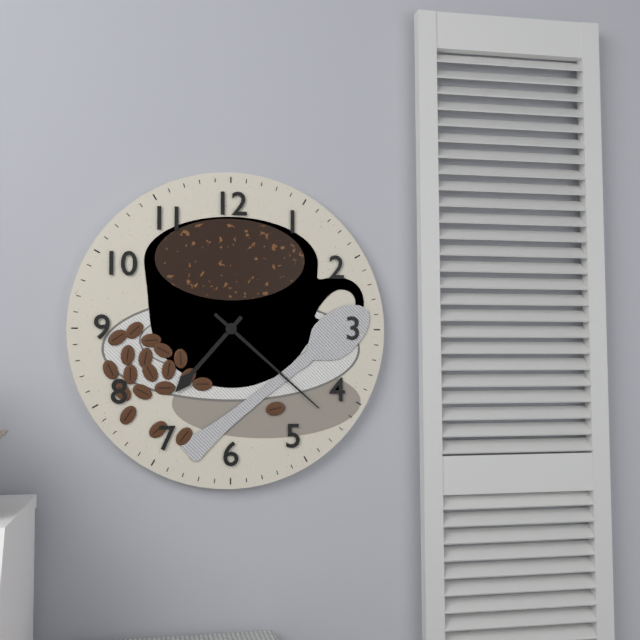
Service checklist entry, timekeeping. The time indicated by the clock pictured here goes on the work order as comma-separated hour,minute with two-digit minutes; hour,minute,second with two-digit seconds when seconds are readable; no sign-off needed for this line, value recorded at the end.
7,22
